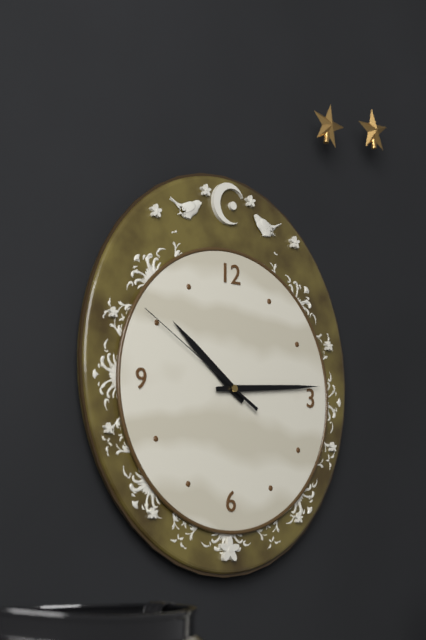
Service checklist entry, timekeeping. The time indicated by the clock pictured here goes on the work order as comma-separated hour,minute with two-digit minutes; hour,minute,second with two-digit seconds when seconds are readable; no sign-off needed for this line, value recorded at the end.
10,14,50
